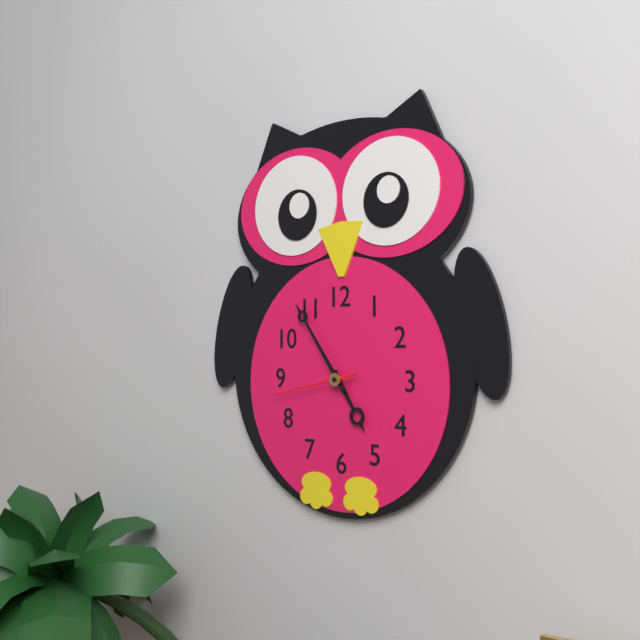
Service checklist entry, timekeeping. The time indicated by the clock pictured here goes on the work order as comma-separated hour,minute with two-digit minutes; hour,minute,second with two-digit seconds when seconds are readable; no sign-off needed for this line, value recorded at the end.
4,54,43
